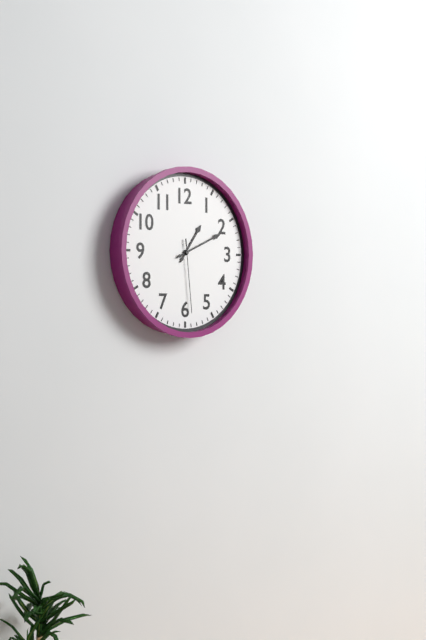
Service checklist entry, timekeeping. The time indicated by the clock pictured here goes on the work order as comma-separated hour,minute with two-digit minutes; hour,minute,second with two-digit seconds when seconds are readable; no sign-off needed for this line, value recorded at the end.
1,11,29
